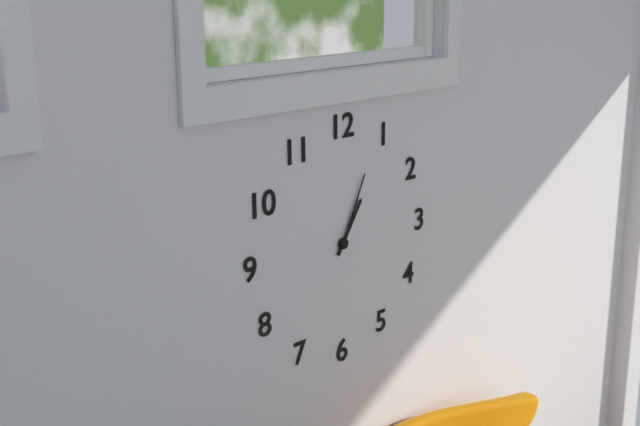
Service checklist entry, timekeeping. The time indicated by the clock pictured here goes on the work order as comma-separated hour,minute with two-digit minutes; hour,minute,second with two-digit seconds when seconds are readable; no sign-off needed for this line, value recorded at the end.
1,04
